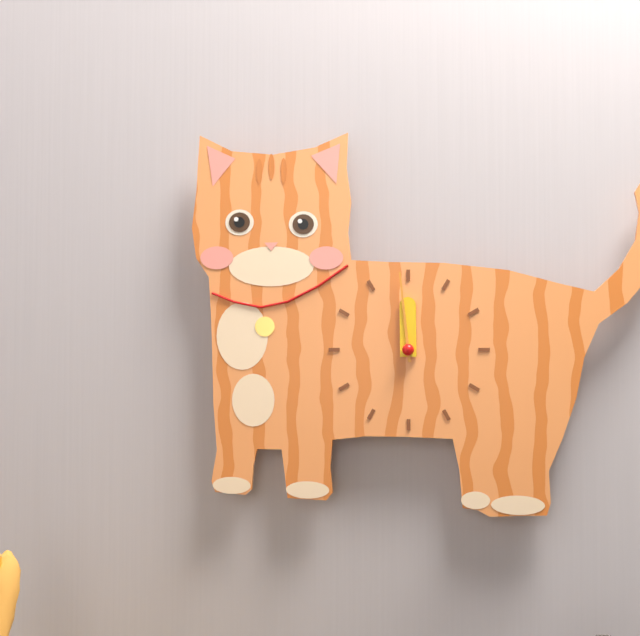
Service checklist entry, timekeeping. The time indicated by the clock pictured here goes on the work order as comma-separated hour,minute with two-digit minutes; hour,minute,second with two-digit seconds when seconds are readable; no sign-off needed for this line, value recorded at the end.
11,59
